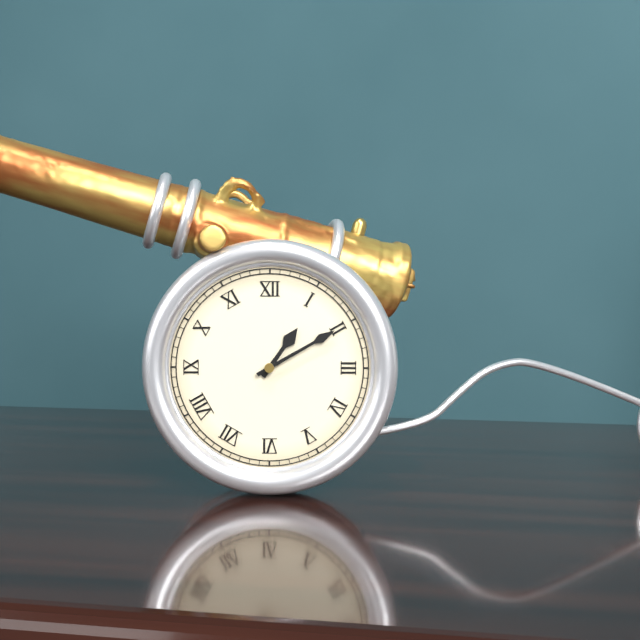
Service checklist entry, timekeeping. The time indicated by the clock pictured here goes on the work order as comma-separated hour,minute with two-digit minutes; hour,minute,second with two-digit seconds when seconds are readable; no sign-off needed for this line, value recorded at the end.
1,10
